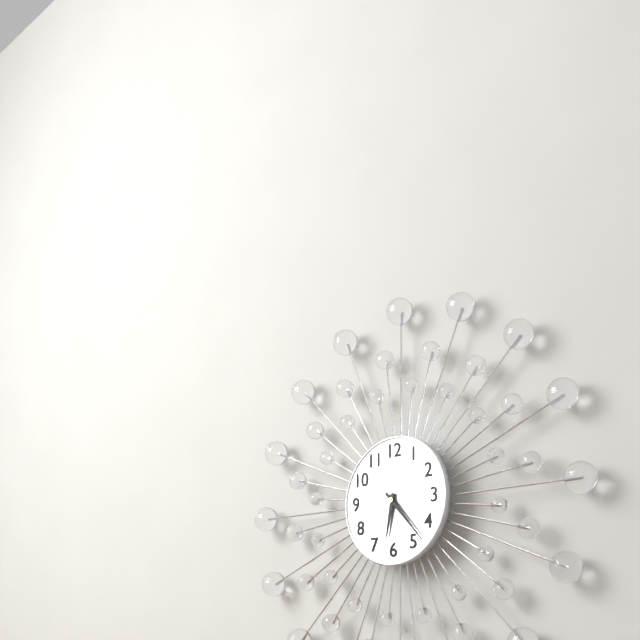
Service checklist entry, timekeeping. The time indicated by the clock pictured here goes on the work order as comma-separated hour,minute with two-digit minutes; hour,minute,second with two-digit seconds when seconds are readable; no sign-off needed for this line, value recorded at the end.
6,23
